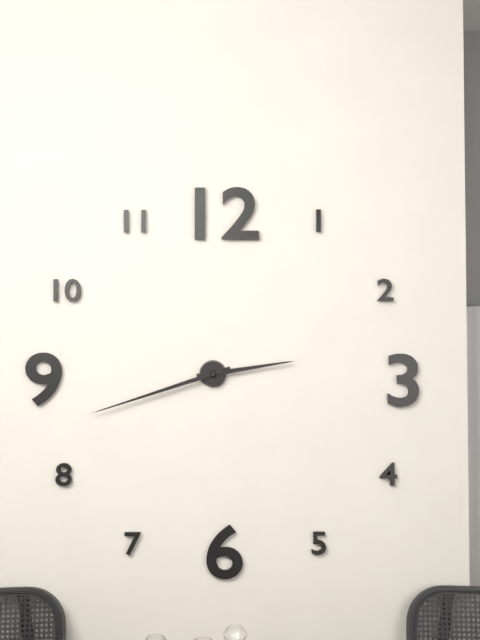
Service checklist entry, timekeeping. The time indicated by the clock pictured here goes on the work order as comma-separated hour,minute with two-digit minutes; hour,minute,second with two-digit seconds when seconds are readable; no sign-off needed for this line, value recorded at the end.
2,42
